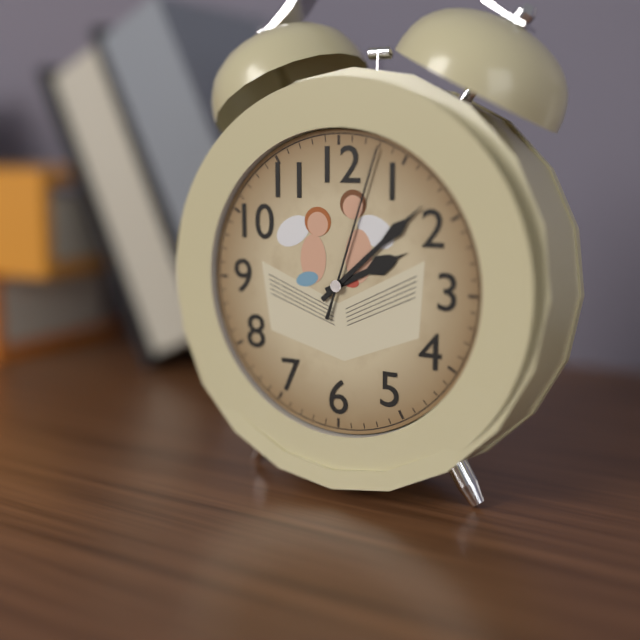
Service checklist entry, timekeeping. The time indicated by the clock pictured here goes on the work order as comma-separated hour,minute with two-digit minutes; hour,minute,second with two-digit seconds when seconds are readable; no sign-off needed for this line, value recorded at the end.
2,08,03
